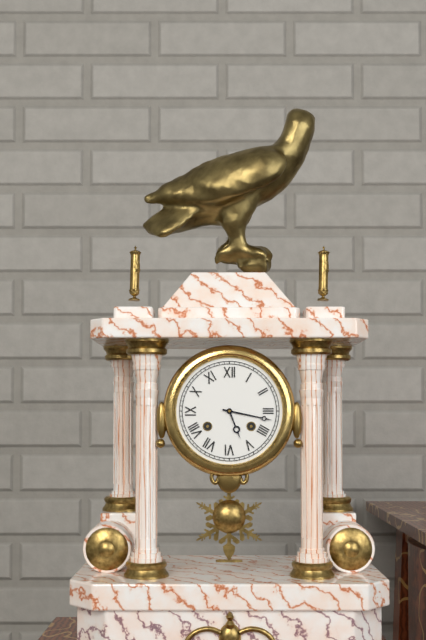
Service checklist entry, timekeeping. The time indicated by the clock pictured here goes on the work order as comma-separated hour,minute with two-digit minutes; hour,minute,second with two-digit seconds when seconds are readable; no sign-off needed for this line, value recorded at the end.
5,17
